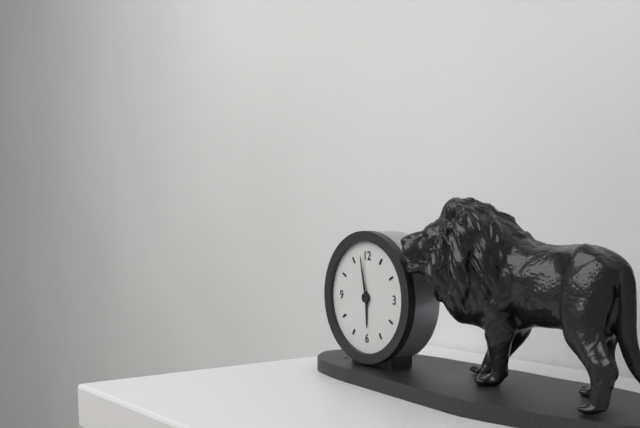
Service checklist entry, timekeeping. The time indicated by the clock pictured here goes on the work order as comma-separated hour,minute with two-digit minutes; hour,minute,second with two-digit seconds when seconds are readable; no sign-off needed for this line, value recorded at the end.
5,58
